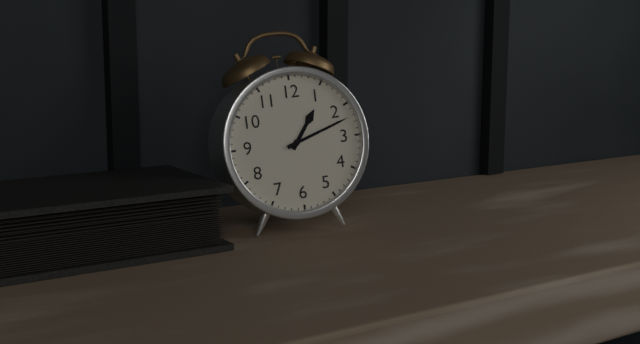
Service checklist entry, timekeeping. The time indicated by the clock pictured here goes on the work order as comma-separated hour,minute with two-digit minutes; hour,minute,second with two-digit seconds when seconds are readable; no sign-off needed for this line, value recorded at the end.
1,12
